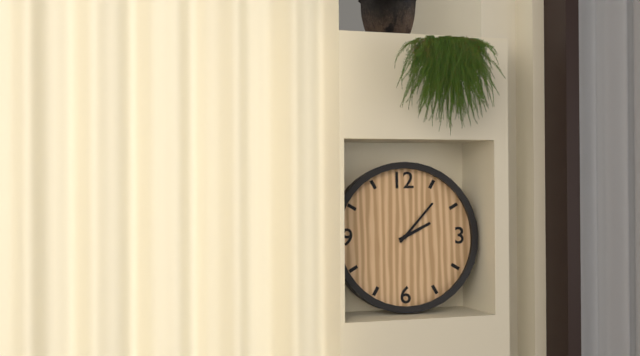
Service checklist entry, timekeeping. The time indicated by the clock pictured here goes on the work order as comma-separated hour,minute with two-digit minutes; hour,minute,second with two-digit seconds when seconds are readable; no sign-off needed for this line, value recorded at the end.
2,07
